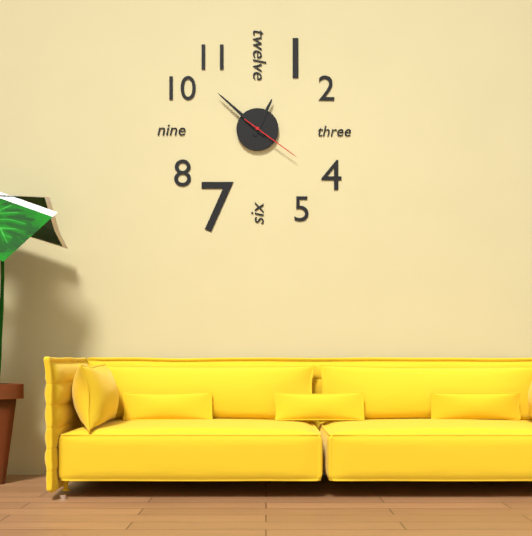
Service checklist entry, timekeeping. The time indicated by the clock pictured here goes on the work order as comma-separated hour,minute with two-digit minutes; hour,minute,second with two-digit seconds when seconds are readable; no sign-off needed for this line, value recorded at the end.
12,52,21
